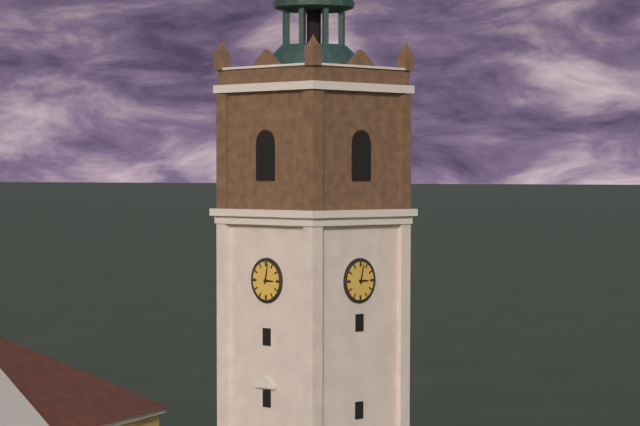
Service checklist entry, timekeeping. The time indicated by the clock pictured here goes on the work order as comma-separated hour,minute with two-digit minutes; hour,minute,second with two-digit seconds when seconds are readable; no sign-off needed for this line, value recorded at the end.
3,02
